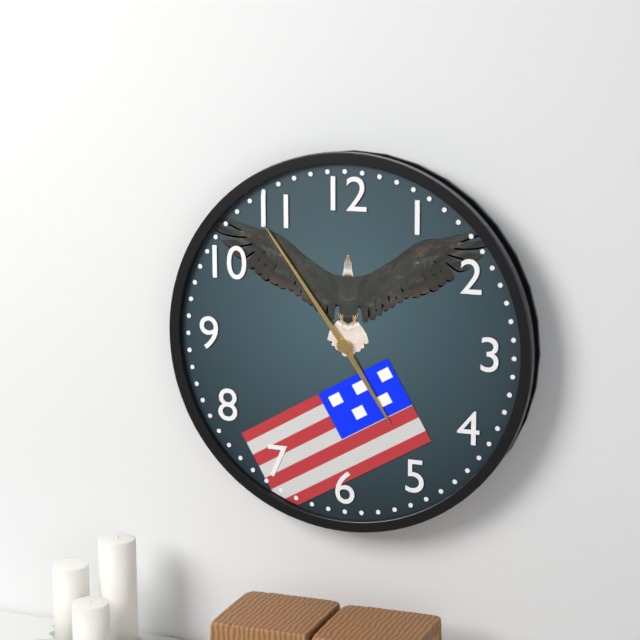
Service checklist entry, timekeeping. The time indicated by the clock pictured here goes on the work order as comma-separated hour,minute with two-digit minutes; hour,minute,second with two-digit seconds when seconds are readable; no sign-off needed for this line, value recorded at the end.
4,54
